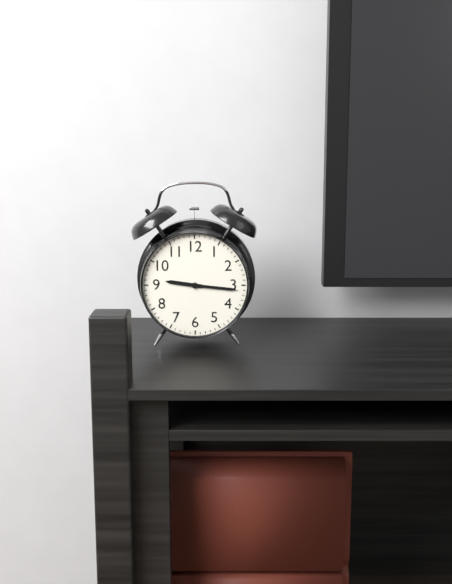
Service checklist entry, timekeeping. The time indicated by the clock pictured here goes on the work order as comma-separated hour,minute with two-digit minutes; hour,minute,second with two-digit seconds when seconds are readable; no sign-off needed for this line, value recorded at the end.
9,16
